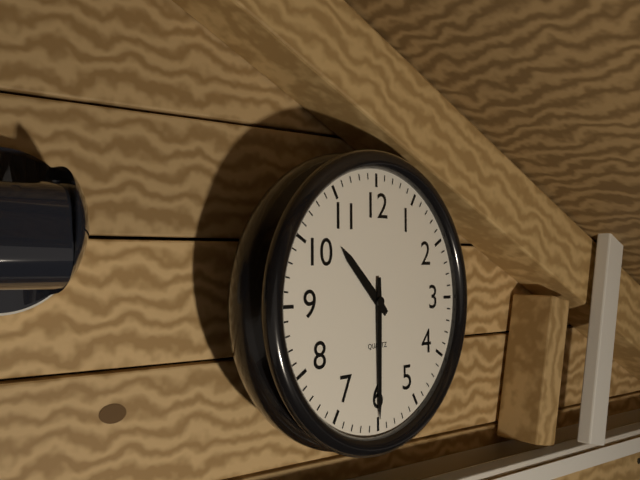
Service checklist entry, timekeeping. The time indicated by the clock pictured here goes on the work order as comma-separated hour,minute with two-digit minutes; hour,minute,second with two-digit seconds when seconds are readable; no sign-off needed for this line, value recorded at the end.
10,30
